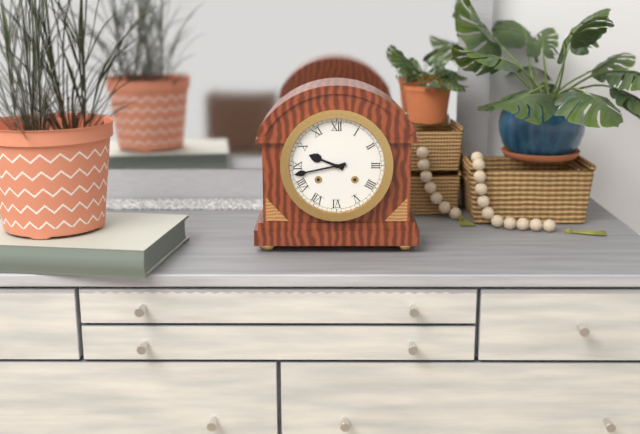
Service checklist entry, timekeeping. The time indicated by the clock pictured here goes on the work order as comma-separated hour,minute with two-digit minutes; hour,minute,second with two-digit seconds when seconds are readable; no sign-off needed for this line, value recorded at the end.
9,43
